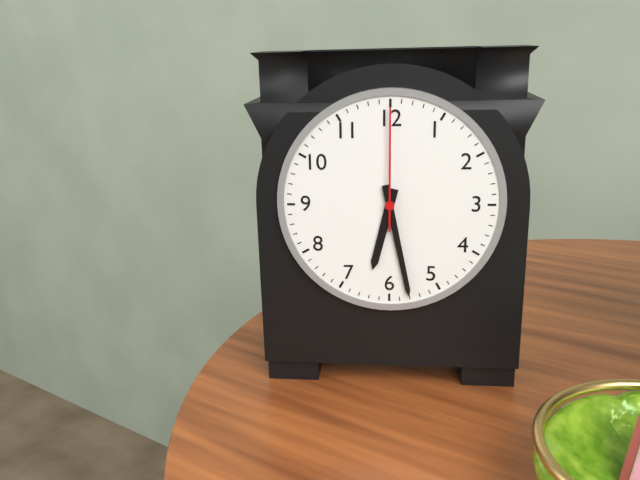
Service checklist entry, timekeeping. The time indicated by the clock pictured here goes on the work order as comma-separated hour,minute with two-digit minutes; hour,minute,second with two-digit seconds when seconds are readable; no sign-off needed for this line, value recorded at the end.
6,28,00
